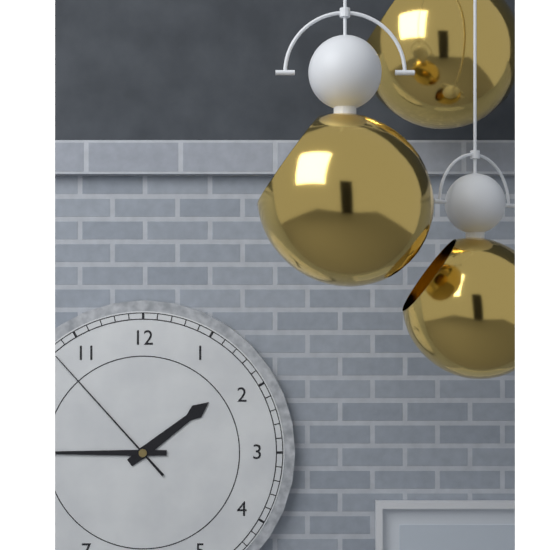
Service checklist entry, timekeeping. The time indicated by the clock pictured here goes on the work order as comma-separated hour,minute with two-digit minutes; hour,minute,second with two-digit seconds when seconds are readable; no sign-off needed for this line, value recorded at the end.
1,45,53
